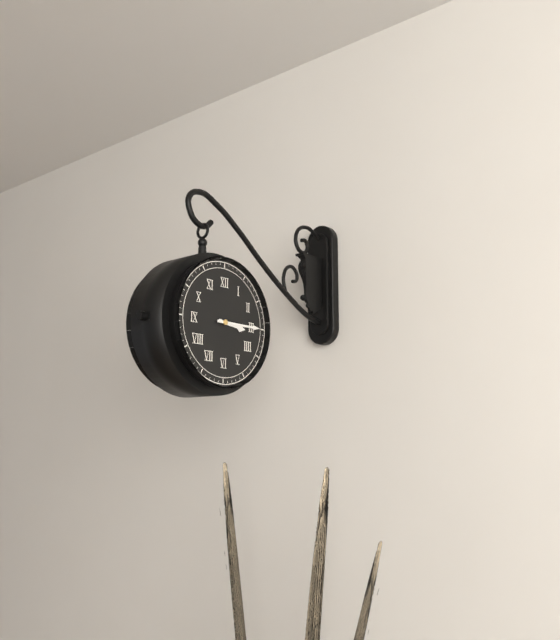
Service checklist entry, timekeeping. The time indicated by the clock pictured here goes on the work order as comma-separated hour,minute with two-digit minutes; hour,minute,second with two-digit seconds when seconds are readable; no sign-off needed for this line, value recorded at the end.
3,15
